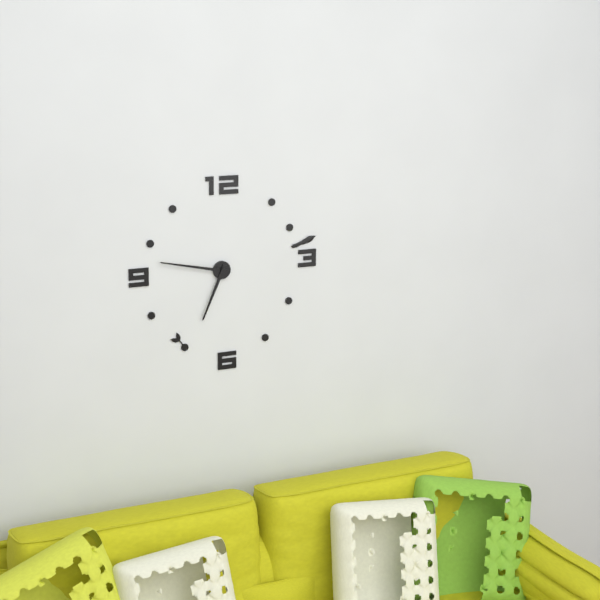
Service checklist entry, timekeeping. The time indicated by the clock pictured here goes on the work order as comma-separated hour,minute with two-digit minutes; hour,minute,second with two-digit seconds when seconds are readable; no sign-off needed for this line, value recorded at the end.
6,47
